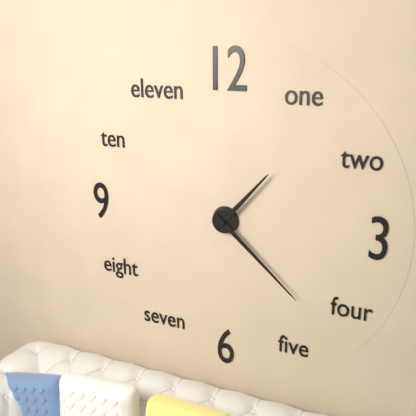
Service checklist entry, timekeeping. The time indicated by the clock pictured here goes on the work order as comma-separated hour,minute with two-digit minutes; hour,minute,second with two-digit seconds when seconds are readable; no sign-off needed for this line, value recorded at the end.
1,22
